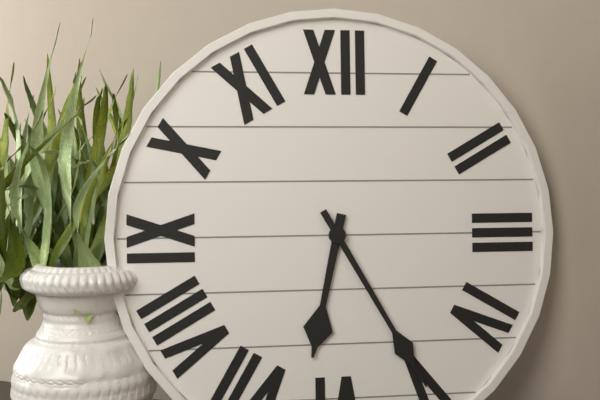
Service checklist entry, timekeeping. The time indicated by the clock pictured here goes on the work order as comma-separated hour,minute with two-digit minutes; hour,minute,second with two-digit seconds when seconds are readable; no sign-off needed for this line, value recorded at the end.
6,25
